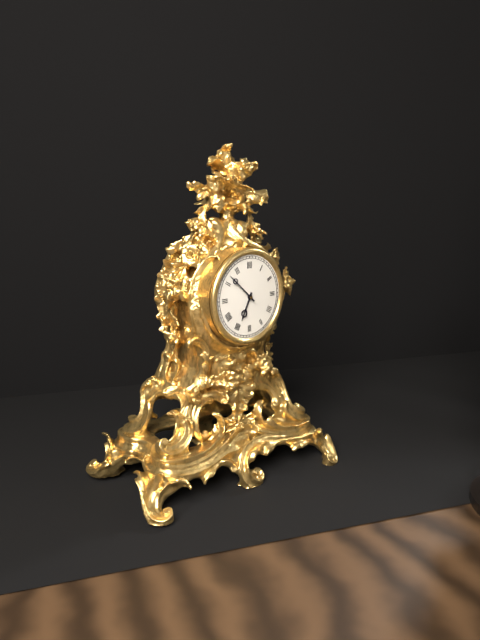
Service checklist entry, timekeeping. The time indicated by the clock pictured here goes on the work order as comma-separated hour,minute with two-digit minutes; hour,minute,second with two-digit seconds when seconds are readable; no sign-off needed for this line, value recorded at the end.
6,52
